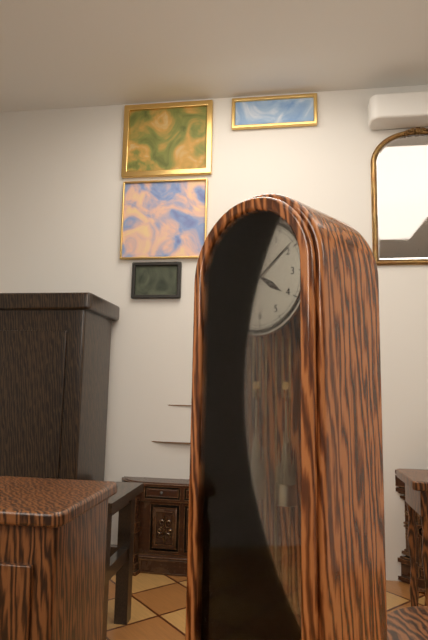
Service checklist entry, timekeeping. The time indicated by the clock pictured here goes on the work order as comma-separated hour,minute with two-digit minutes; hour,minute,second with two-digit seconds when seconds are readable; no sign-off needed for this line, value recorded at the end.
4,09
